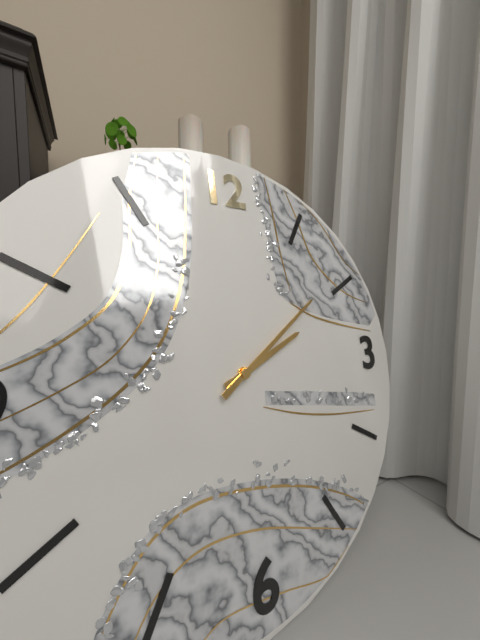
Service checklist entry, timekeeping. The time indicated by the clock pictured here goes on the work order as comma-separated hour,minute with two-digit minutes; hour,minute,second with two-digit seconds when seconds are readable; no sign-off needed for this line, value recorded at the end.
2,09
